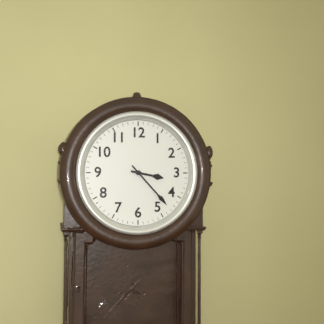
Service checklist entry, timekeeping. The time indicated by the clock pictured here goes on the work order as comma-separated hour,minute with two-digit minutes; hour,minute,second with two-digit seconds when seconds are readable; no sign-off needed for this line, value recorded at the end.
3,23
